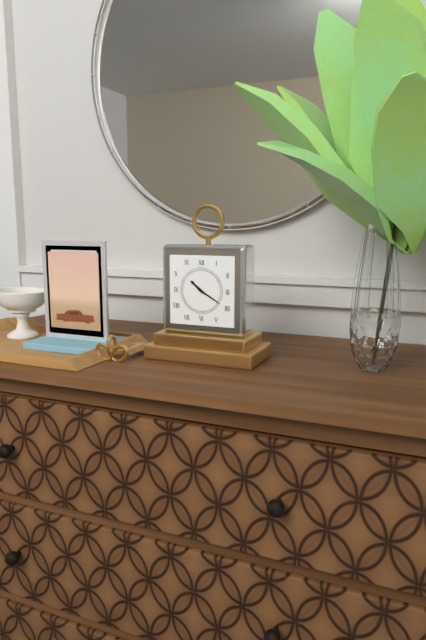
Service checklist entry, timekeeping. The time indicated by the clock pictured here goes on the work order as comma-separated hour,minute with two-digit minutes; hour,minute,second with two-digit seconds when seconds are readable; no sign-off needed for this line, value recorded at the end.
10,20
